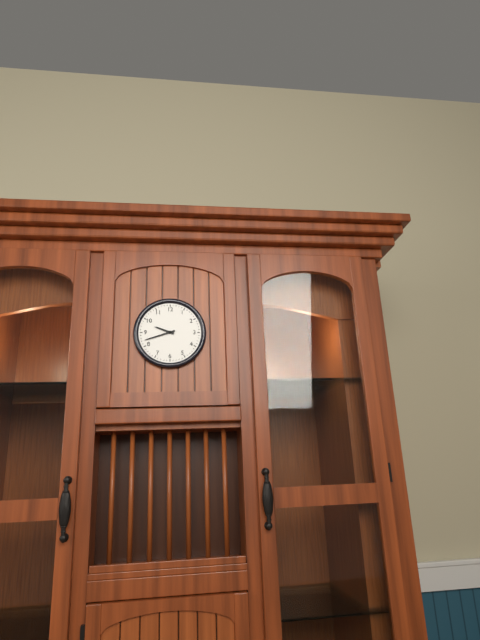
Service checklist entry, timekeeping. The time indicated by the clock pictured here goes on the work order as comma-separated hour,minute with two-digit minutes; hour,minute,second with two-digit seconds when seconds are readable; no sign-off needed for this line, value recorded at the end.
9,42
